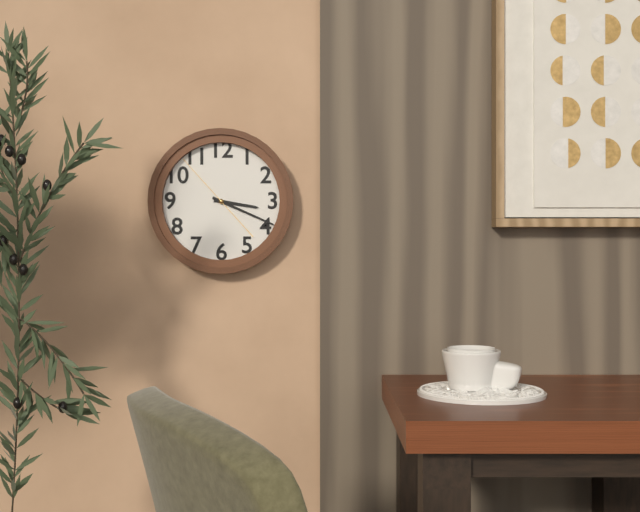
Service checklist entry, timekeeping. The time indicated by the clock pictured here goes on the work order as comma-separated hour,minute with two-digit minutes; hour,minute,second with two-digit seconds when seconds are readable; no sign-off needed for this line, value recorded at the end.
3,19,53
